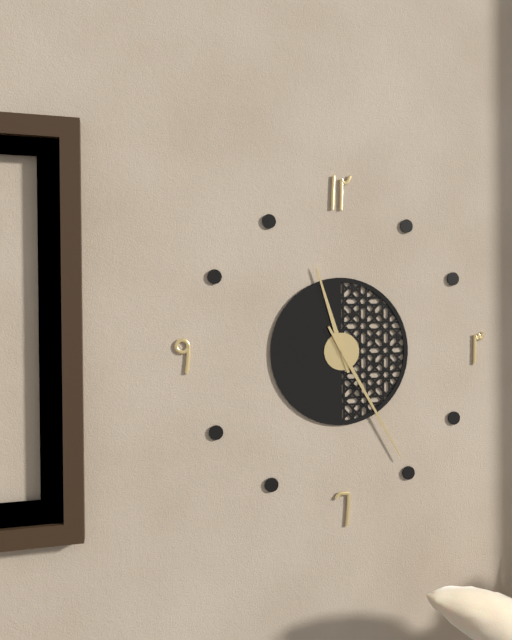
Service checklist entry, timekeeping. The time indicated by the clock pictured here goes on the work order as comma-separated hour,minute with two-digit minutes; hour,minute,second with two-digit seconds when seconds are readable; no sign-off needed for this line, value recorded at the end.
11,25
